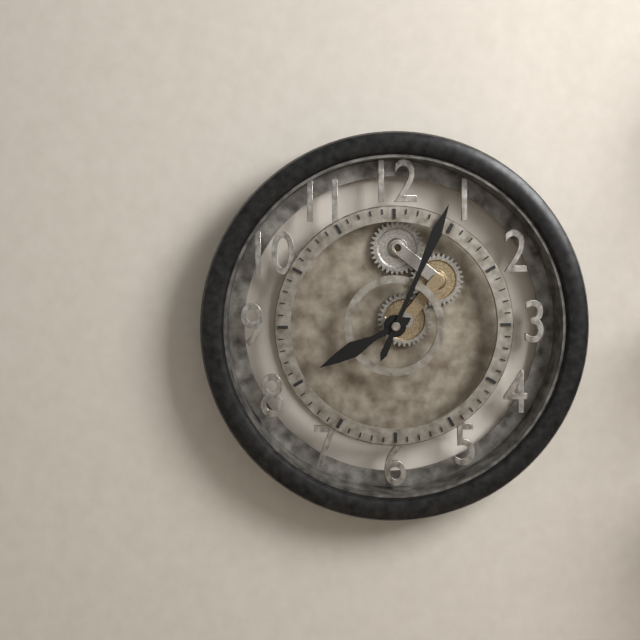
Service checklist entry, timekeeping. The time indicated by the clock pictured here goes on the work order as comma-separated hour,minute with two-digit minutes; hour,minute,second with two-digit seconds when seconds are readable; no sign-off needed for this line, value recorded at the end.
8,04
